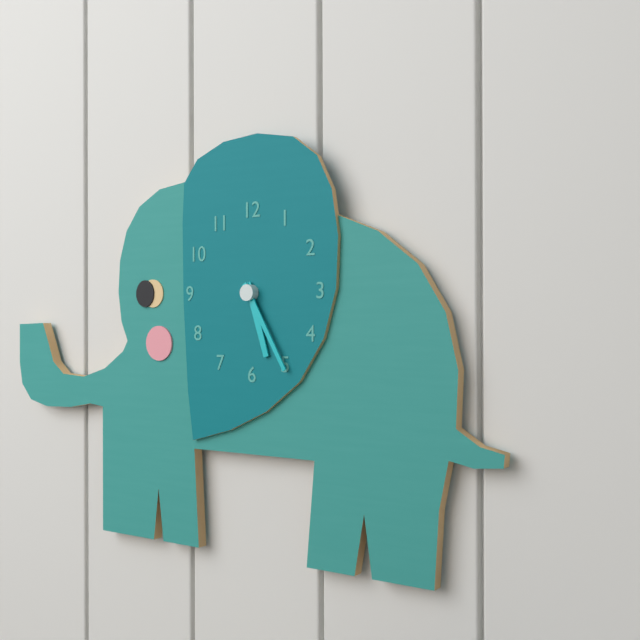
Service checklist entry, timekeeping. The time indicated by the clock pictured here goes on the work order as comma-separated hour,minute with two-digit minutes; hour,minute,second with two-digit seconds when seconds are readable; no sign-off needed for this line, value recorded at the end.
5,25
